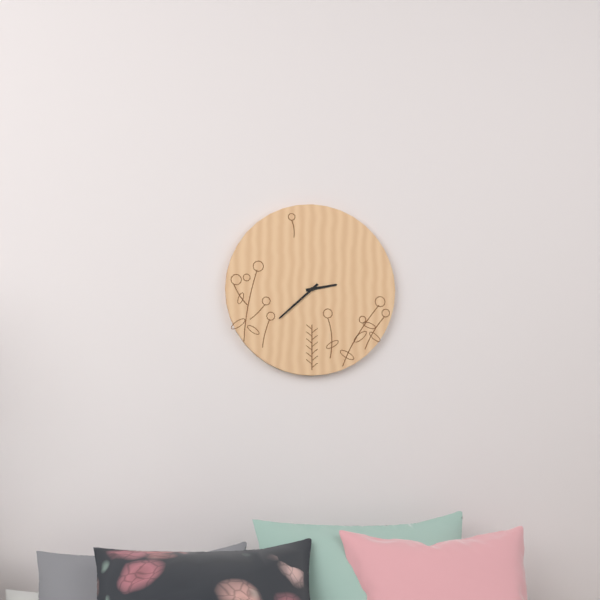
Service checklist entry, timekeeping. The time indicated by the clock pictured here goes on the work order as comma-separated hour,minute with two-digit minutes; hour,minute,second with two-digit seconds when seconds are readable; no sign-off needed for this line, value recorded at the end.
2,38
